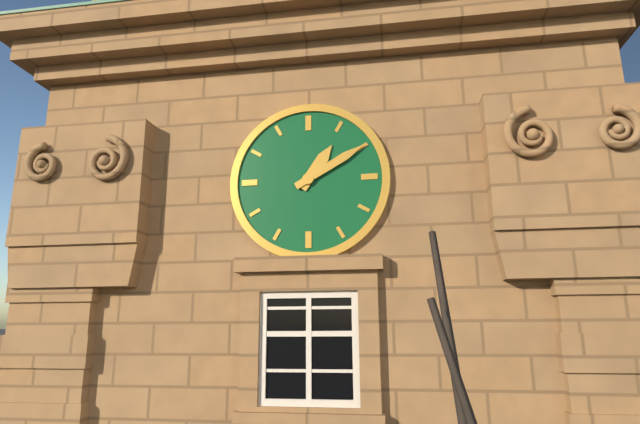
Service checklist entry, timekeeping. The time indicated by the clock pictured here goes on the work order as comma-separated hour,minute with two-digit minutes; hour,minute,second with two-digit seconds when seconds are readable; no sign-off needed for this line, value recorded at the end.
1,10
